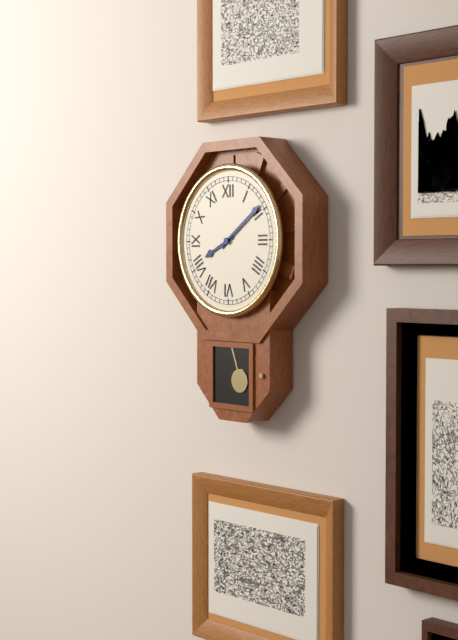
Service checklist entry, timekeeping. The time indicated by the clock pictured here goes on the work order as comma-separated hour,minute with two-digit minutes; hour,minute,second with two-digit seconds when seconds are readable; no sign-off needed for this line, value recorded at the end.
8,09
